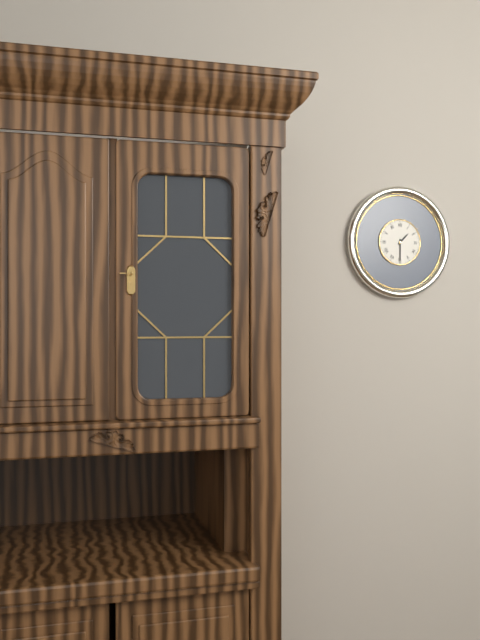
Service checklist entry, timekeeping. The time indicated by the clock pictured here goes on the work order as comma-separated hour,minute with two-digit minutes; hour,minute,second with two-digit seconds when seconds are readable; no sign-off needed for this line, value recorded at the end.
1,30
